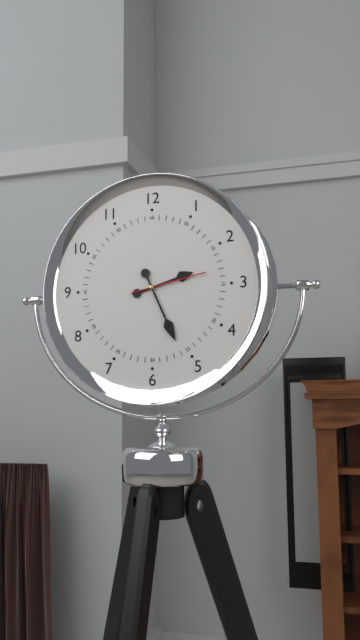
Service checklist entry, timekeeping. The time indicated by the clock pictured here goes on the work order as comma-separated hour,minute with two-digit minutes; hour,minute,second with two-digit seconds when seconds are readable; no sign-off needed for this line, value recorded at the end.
2,26,13
